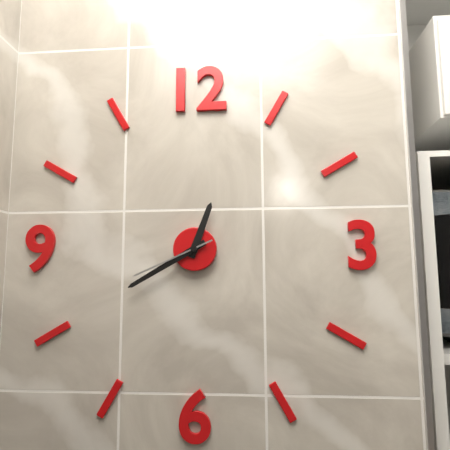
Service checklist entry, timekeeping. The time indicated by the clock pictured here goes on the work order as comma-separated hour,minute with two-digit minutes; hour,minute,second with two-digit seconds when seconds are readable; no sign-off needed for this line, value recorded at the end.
12,40,41
